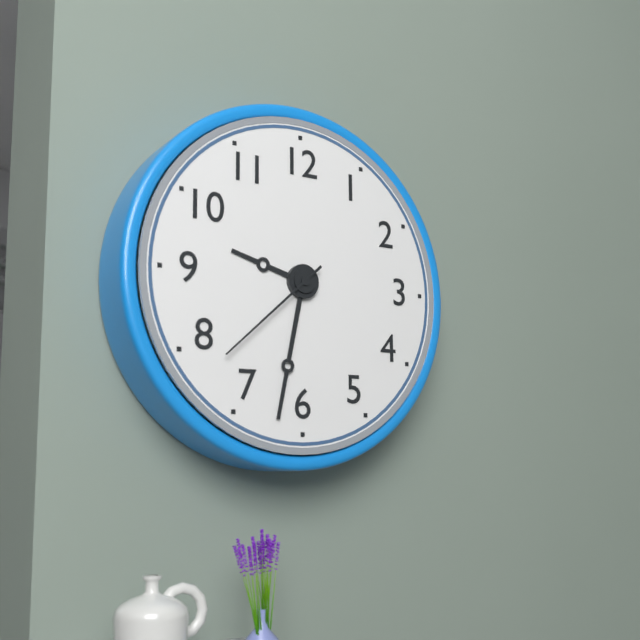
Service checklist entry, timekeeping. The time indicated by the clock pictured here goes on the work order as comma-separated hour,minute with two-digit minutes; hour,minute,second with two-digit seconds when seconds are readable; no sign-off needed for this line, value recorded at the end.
9,32,38
